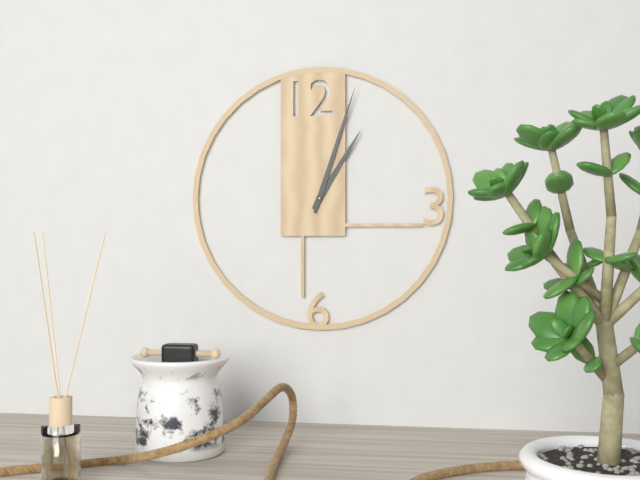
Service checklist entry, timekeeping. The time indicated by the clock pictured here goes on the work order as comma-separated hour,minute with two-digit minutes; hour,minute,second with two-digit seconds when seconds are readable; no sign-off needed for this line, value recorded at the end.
1,03
